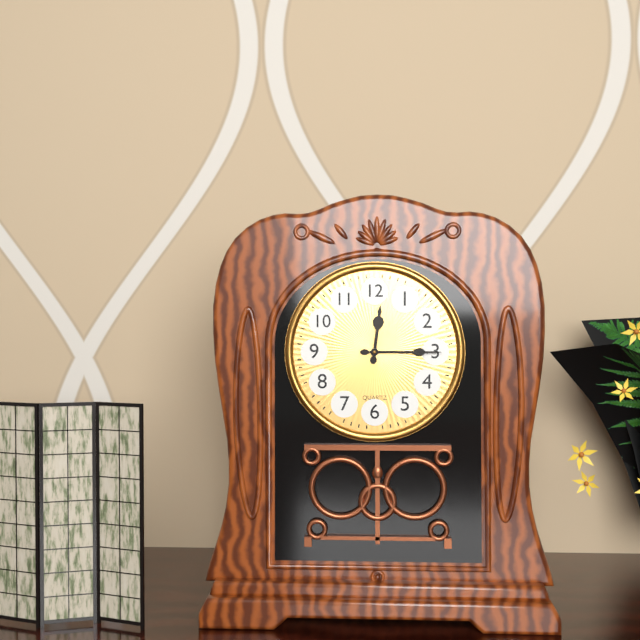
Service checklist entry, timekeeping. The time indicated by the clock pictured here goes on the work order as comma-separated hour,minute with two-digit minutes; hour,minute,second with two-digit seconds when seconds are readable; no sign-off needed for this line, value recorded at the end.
12,15
